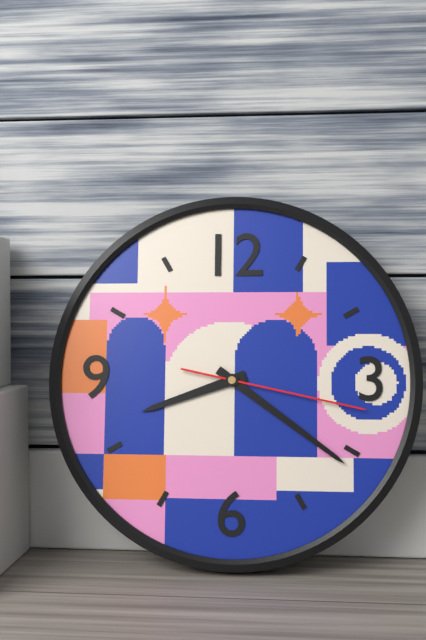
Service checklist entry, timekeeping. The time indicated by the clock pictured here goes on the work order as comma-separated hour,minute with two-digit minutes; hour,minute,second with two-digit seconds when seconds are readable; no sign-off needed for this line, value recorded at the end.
8,21,17
